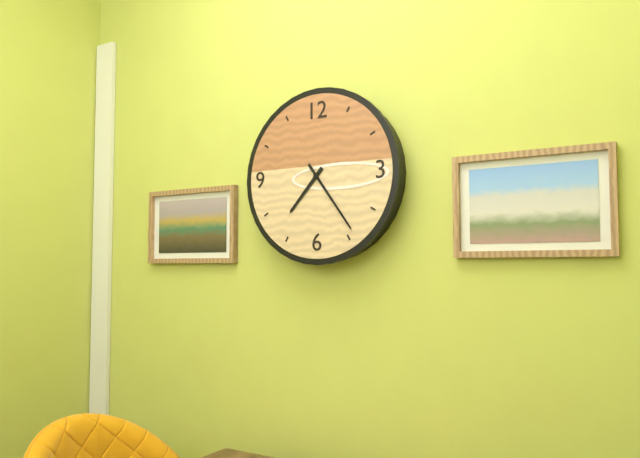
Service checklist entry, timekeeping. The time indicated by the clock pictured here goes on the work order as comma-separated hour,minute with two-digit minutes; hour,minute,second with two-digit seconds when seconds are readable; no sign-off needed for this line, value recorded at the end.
7,24
